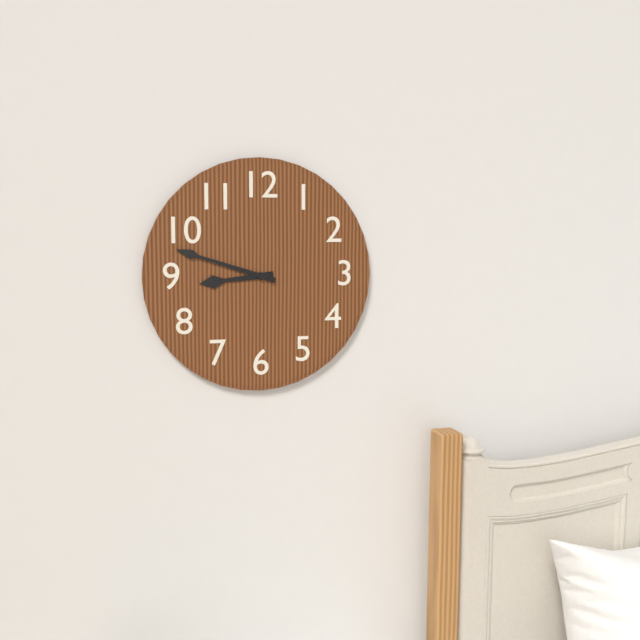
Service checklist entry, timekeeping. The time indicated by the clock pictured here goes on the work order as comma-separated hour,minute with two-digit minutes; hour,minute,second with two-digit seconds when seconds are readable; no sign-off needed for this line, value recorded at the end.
8,48
